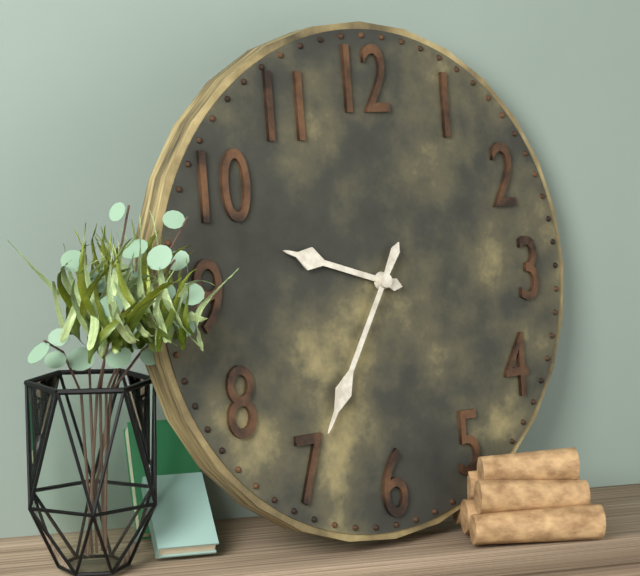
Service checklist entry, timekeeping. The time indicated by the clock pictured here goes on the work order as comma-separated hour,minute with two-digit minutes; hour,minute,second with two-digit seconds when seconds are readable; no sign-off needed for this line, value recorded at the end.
9,35
